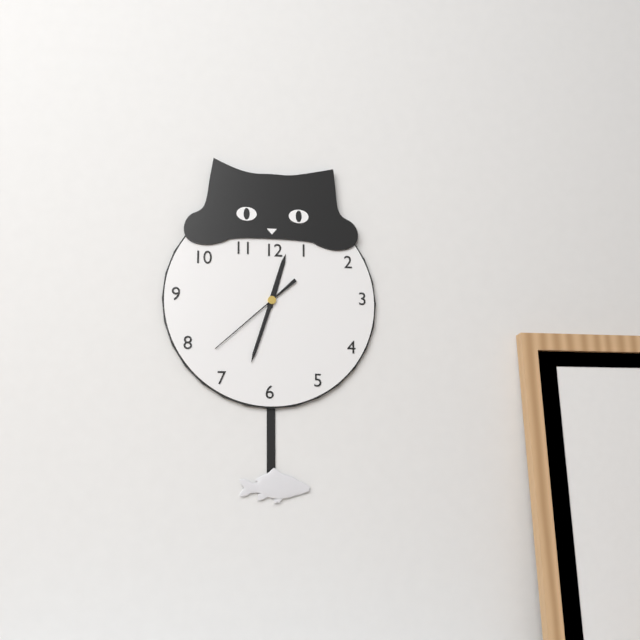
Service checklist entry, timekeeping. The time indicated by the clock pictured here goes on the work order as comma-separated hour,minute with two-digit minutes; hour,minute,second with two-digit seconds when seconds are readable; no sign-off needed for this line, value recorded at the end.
12,33,38
